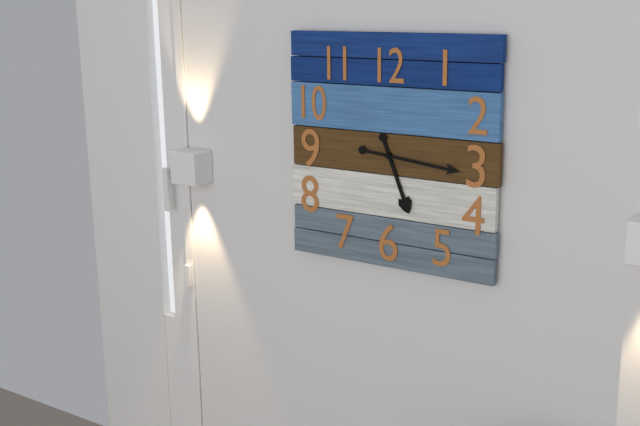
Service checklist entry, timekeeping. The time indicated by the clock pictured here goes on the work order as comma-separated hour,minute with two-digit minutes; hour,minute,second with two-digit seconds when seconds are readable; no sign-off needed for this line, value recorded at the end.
5,16
